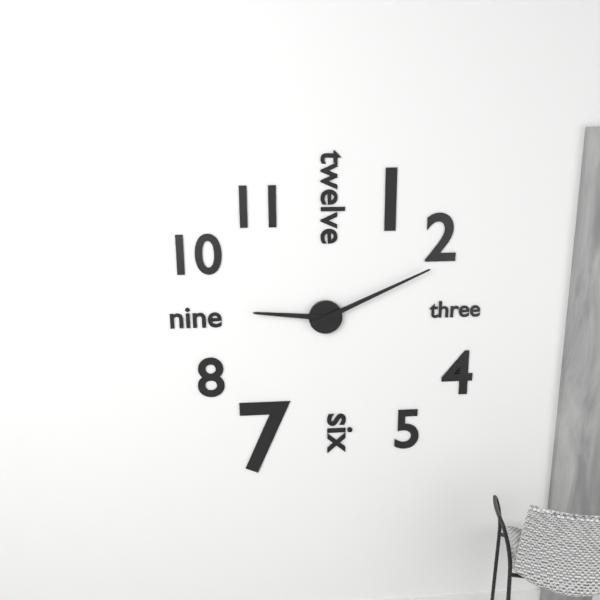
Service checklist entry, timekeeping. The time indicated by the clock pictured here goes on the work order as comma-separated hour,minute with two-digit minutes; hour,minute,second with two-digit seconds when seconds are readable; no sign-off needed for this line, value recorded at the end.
9,11
